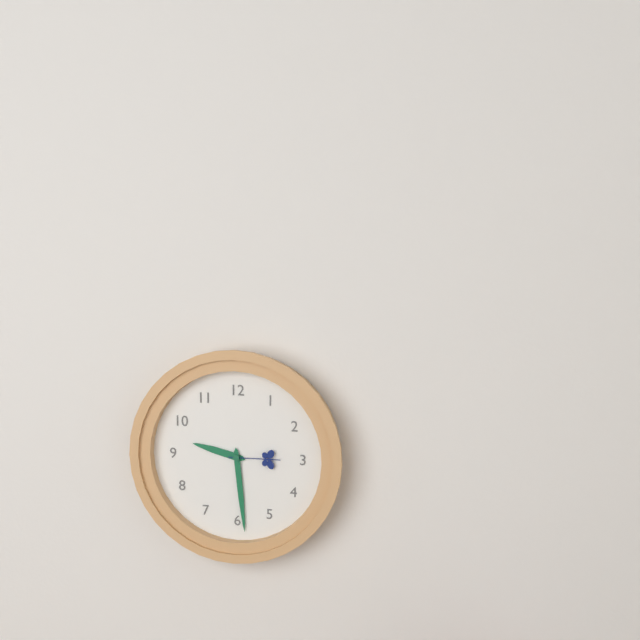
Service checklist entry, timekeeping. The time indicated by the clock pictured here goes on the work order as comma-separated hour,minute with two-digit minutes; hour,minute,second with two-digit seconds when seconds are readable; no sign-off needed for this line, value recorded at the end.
9,29,15
